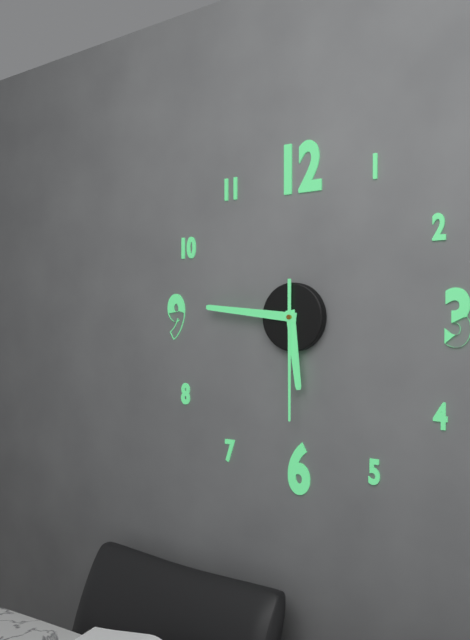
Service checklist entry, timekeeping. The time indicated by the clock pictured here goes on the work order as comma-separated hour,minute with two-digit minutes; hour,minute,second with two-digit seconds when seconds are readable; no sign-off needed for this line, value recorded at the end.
5,46,30
